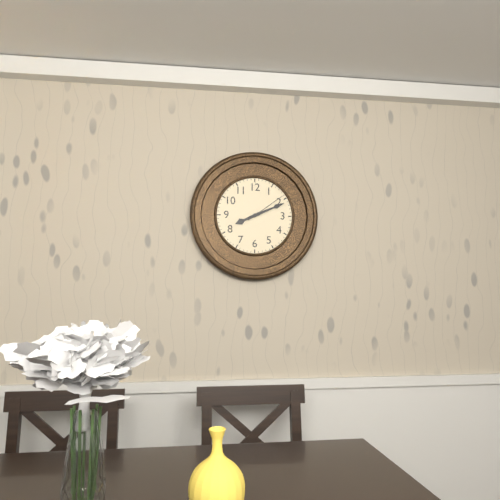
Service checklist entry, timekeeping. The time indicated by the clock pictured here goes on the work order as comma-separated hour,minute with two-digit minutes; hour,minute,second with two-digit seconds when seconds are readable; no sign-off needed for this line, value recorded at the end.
8,11
